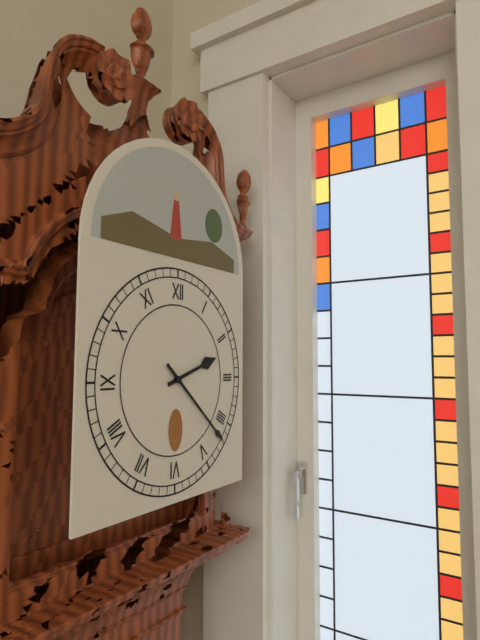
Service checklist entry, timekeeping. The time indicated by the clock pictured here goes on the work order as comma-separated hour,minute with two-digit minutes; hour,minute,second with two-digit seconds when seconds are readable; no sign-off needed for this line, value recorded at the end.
2,22
